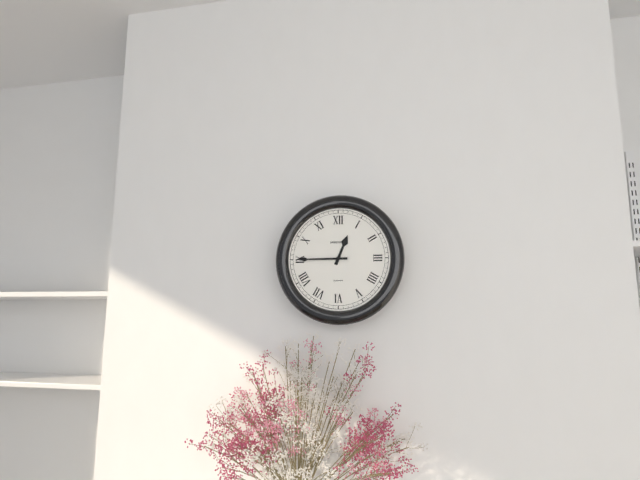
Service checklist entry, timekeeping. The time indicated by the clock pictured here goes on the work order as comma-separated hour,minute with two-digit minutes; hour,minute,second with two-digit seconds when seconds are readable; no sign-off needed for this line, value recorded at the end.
12,45
